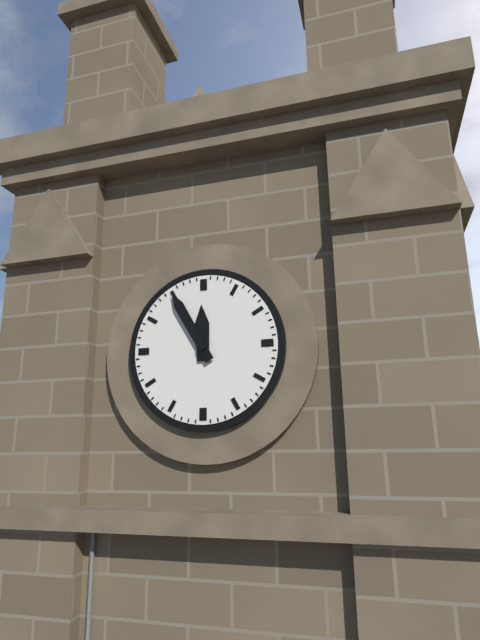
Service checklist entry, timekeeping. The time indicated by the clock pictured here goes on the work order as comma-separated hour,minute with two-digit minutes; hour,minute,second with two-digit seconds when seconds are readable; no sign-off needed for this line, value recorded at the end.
11,55
